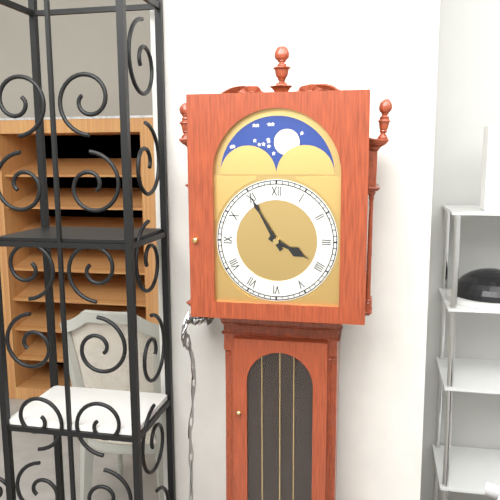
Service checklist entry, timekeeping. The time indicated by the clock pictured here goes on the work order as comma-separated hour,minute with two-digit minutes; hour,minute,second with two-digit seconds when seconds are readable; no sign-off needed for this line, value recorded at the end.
3,55
